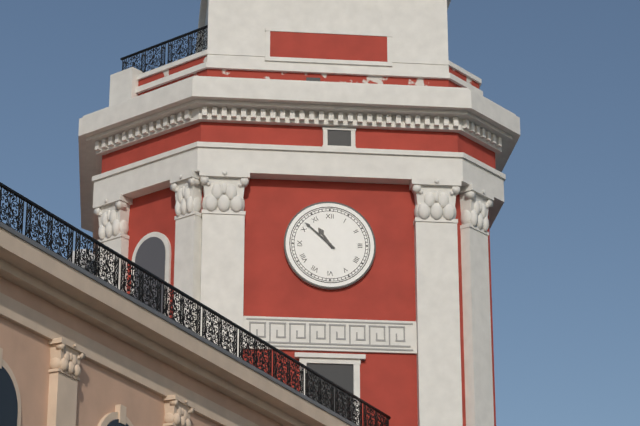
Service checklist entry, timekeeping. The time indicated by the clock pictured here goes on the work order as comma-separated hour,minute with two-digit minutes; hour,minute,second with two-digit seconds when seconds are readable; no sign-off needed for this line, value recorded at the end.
10,52
